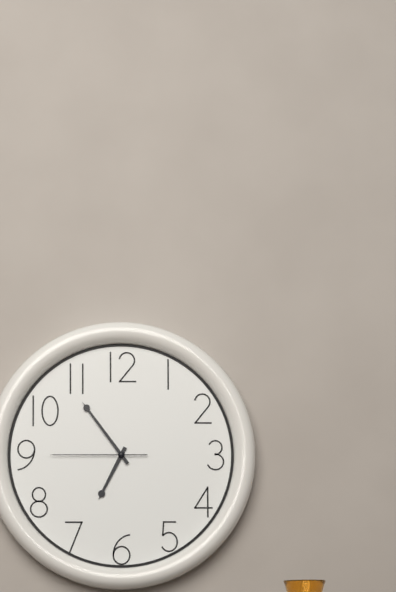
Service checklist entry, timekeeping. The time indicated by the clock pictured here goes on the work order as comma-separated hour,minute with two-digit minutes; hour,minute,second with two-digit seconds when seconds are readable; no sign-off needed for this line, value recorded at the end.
6,54,45
